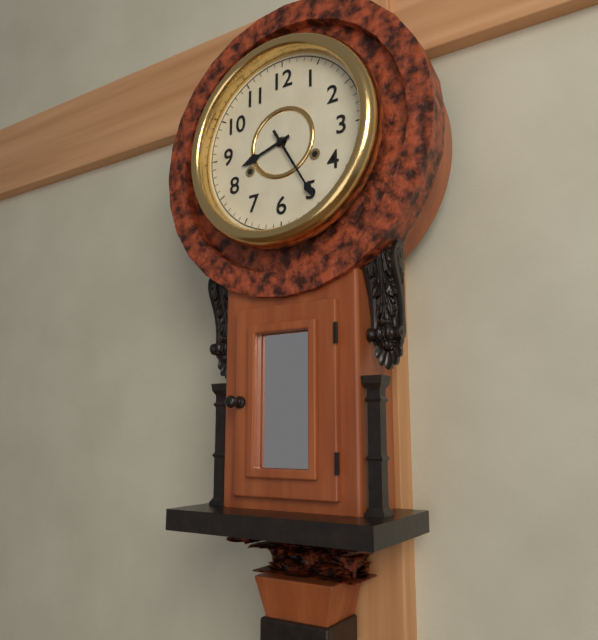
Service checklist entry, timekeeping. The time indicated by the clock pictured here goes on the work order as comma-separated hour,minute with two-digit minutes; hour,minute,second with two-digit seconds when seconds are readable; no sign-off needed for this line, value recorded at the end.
8,25
